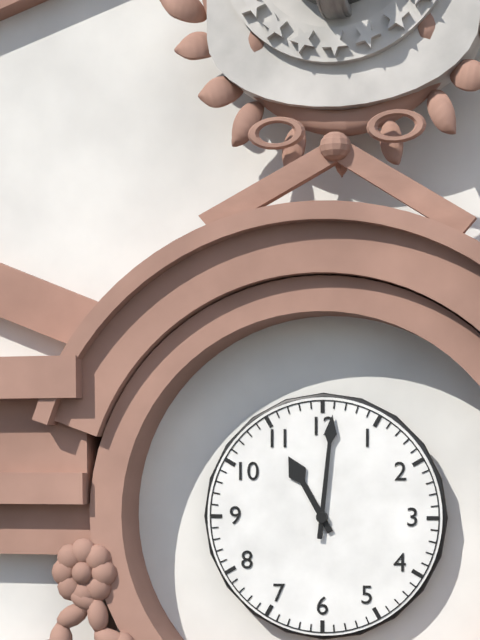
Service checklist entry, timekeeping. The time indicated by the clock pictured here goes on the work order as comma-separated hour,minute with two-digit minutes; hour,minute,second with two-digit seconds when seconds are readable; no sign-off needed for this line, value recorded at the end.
11,01
